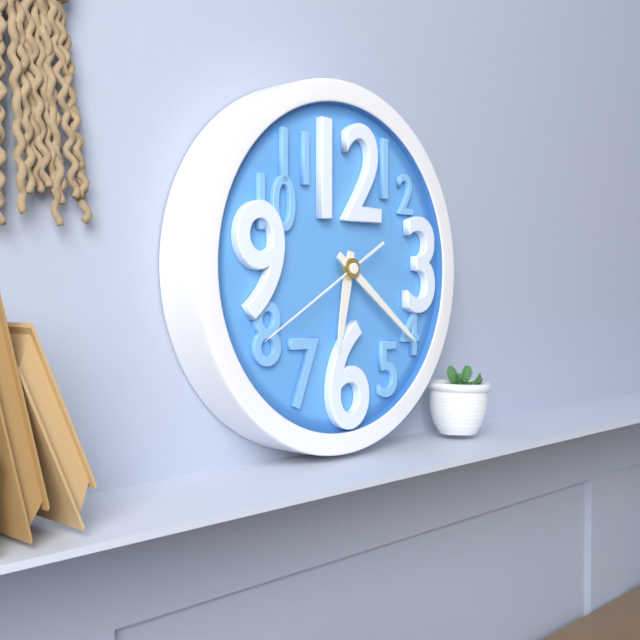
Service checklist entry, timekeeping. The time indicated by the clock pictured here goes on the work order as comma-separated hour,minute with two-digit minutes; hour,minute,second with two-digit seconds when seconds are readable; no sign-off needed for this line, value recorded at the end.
6,21,40
